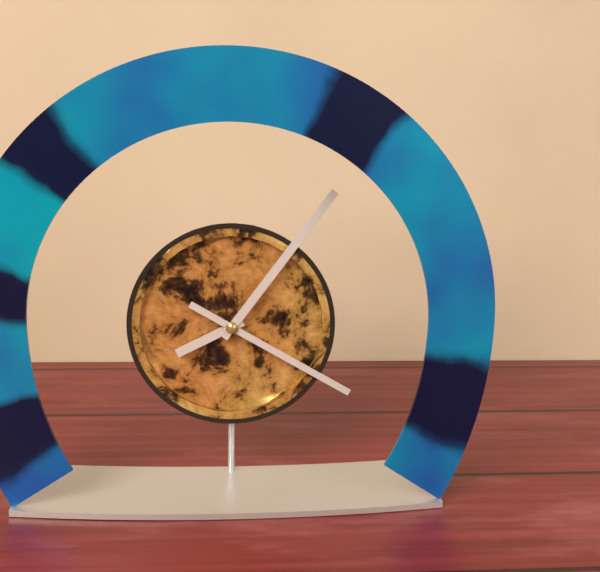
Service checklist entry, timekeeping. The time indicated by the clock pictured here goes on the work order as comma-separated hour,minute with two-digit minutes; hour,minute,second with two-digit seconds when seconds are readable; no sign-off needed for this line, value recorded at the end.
8,06,20
